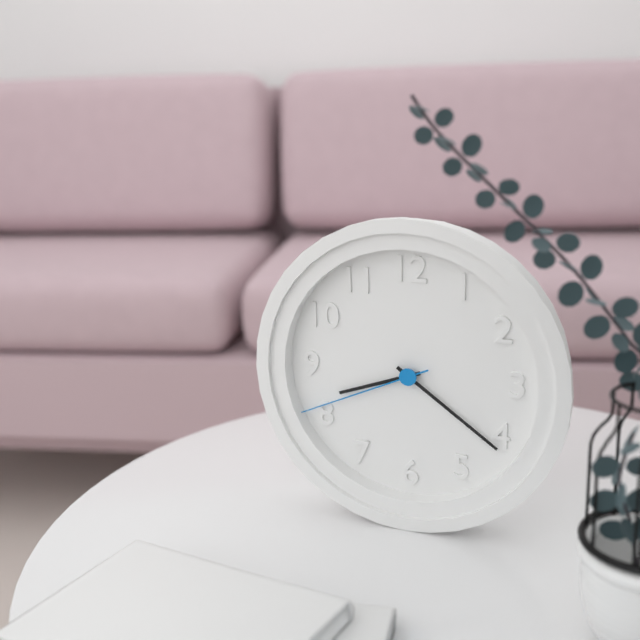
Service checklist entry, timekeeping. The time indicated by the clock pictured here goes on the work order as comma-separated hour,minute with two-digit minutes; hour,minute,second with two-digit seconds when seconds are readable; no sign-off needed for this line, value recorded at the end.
8,21,41
